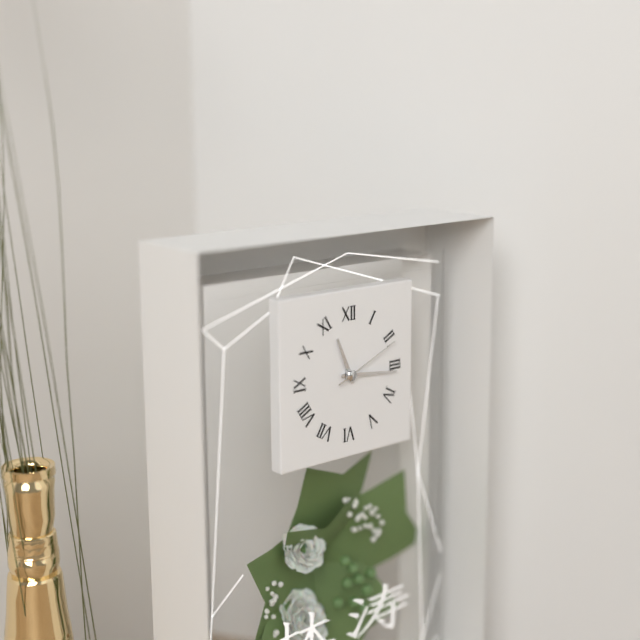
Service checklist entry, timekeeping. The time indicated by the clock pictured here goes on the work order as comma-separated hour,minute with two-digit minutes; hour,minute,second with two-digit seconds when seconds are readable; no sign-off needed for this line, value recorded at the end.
11,16,11
